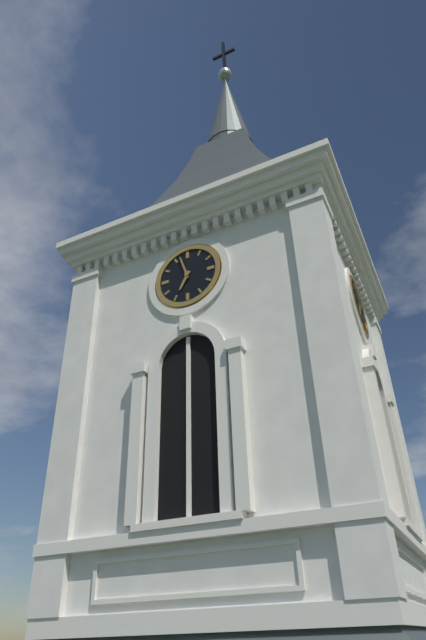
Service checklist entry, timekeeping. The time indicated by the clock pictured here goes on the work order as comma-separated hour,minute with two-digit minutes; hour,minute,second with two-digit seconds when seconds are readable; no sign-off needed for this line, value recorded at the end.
6,57
